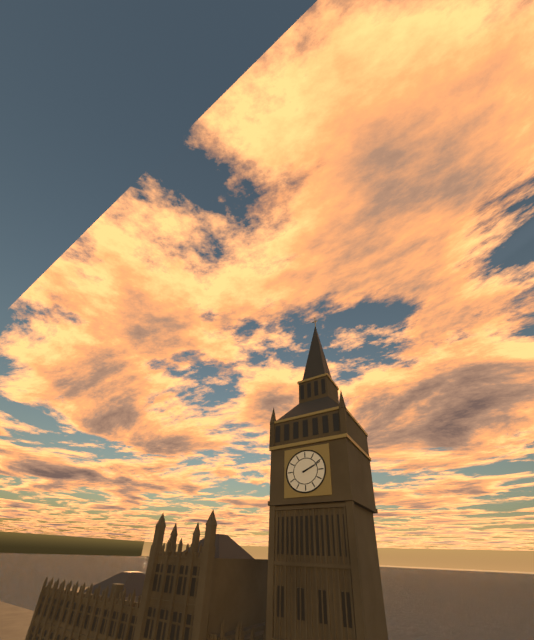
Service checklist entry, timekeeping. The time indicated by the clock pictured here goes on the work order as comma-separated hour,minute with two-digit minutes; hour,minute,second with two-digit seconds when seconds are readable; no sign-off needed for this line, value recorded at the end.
2,11
